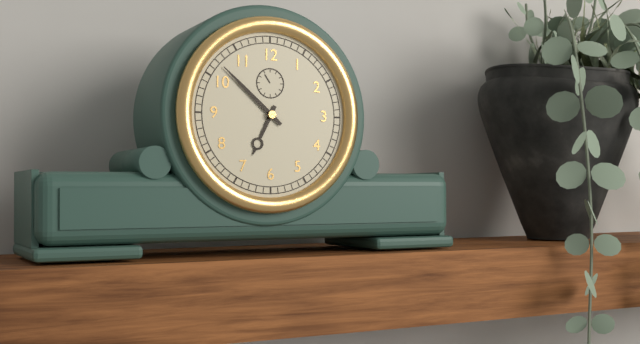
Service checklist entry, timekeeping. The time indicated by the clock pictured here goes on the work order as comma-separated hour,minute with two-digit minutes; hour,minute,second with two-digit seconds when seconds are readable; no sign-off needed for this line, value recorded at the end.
6,52
